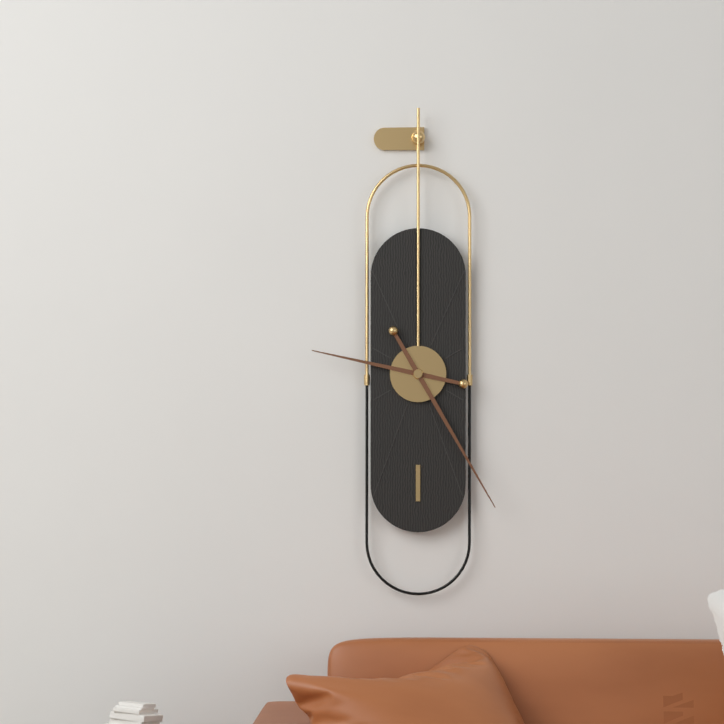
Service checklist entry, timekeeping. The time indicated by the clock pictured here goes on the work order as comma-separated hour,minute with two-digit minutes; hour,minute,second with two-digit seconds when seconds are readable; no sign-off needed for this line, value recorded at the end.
9,25
